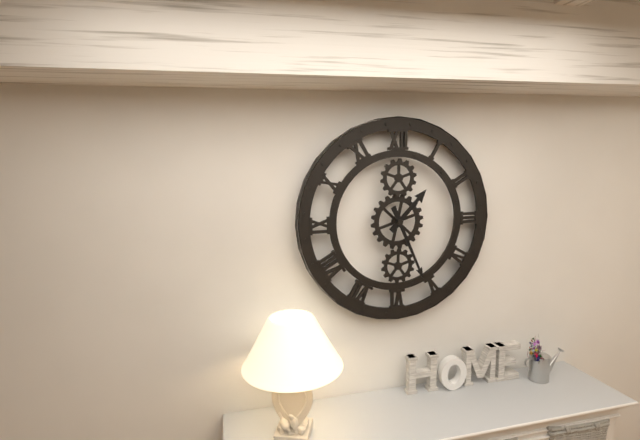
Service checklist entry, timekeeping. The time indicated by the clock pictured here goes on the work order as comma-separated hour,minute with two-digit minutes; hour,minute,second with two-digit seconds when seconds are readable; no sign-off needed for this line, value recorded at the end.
1,26
